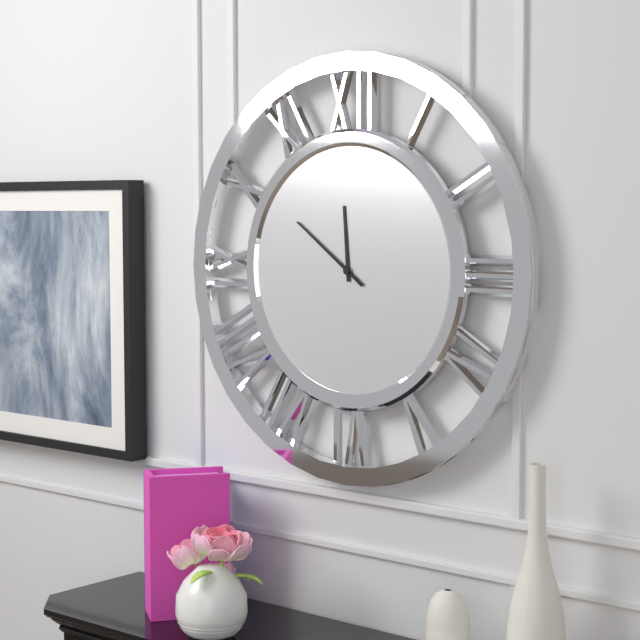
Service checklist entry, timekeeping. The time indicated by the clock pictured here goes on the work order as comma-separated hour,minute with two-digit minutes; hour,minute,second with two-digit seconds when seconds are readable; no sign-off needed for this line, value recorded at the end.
11,51
